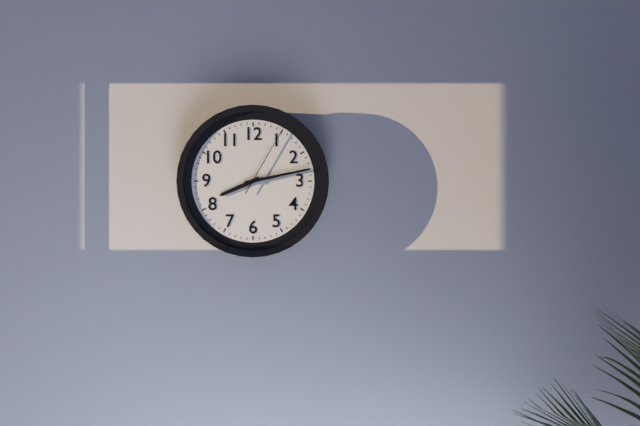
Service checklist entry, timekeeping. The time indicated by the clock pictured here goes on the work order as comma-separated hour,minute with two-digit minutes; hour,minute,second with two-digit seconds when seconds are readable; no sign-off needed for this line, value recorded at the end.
8,13,05
